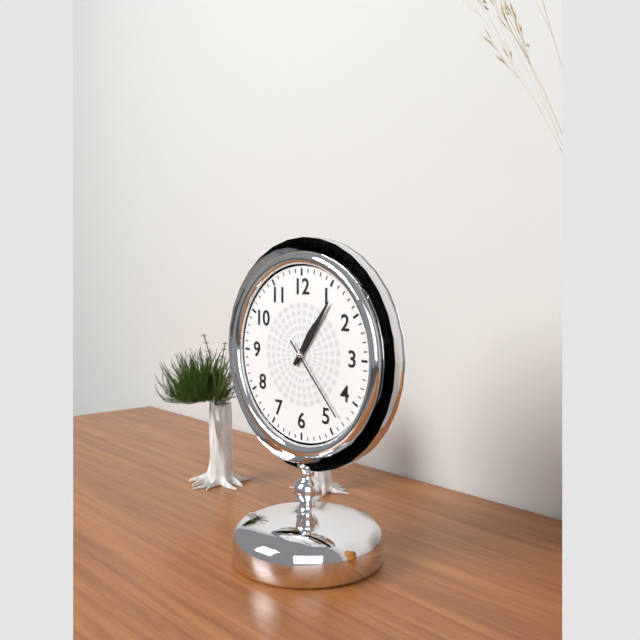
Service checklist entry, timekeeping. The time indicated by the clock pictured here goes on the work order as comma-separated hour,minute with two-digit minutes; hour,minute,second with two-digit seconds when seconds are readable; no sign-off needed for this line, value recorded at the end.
1,06,23
